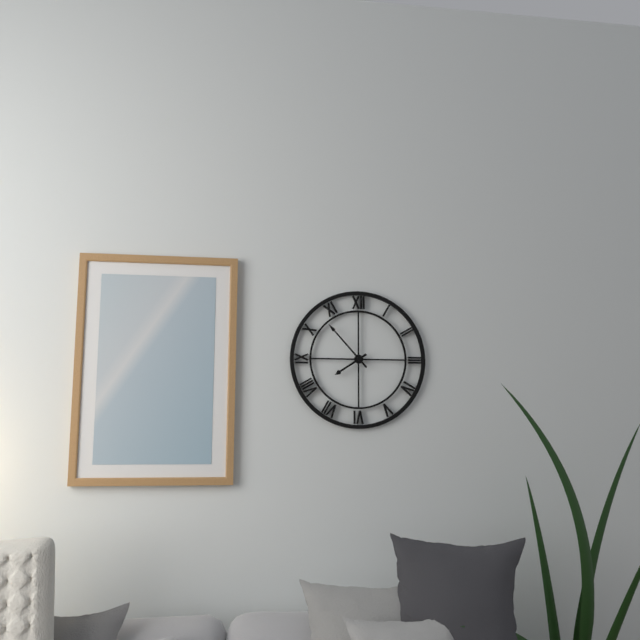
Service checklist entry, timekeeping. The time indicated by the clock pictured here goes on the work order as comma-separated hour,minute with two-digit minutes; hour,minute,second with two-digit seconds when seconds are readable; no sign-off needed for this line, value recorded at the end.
7,53
